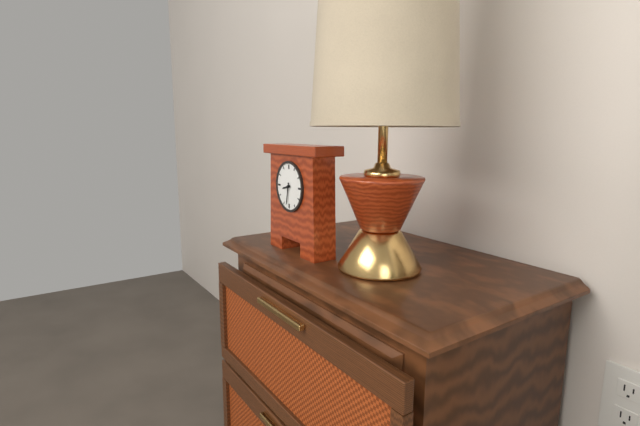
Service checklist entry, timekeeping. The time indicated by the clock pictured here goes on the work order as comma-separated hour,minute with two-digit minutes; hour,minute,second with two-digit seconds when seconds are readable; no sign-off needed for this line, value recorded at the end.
8,32
